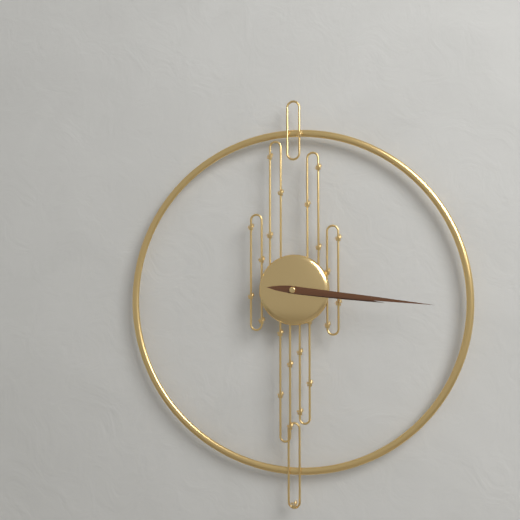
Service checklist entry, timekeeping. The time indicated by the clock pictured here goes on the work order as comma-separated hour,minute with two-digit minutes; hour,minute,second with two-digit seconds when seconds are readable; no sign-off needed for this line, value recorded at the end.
3,16
